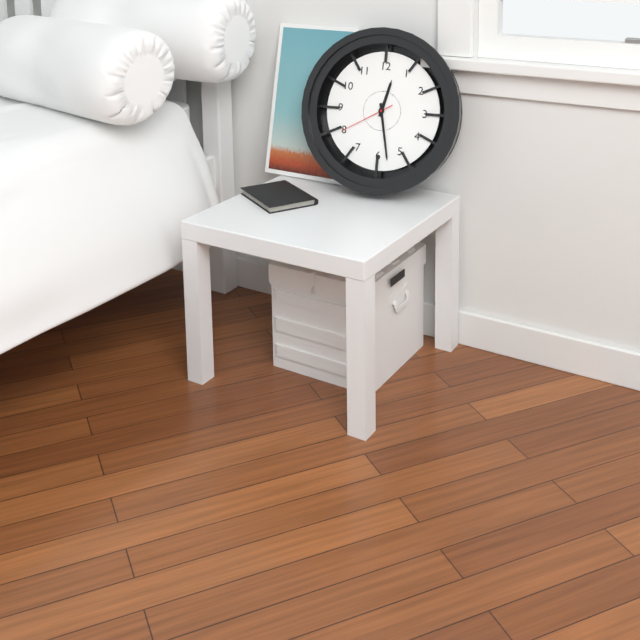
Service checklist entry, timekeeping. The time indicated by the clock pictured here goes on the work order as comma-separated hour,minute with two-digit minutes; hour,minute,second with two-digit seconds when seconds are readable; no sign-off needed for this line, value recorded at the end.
12,28,40
